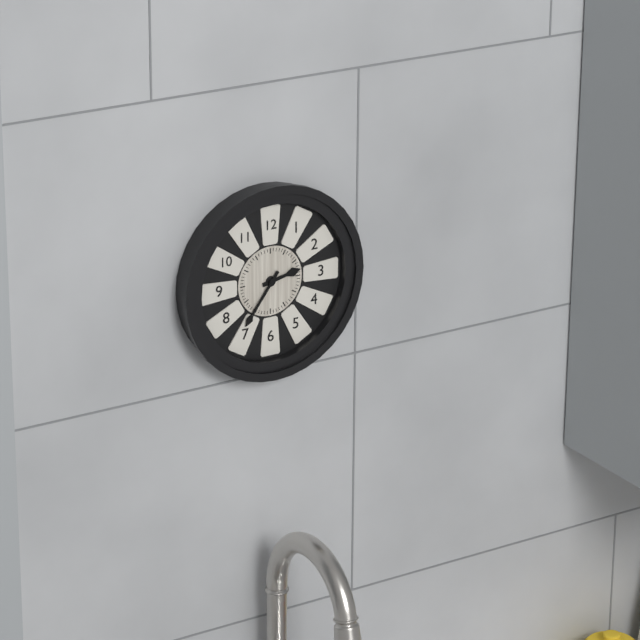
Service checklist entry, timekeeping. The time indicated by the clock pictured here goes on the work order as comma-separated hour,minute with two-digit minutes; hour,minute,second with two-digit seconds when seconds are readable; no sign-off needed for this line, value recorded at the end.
2,36
